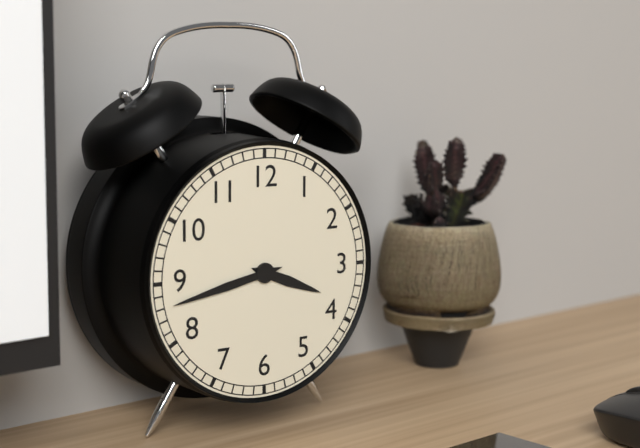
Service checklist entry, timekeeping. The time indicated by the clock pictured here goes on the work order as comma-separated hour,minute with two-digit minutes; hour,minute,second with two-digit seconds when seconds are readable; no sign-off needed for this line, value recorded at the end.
3,43
